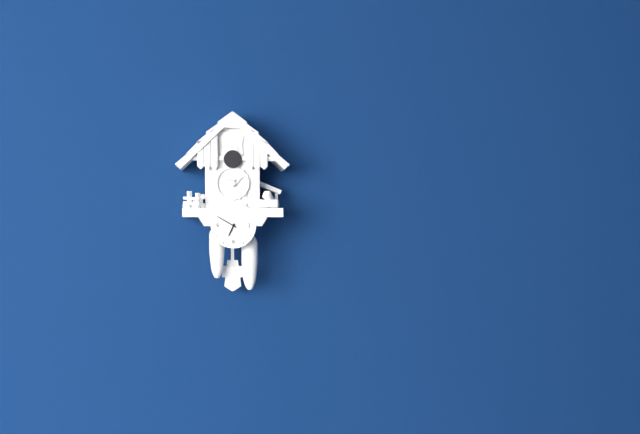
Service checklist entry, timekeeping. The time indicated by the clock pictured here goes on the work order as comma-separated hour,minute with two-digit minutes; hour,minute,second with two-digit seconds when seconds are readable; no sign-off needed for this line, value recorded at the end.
6,50
